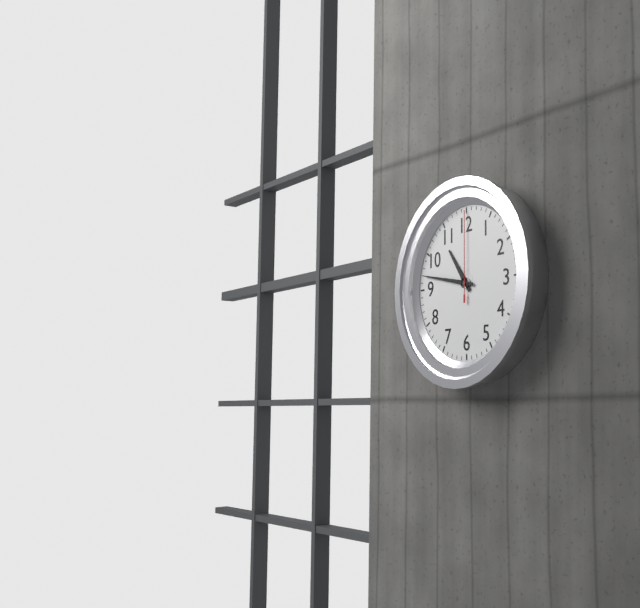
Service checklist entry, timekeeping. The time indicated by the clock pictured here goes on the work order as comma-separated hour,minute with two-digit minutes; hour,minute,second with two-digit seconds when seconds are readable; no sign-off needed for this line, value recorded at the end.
10,47,00
